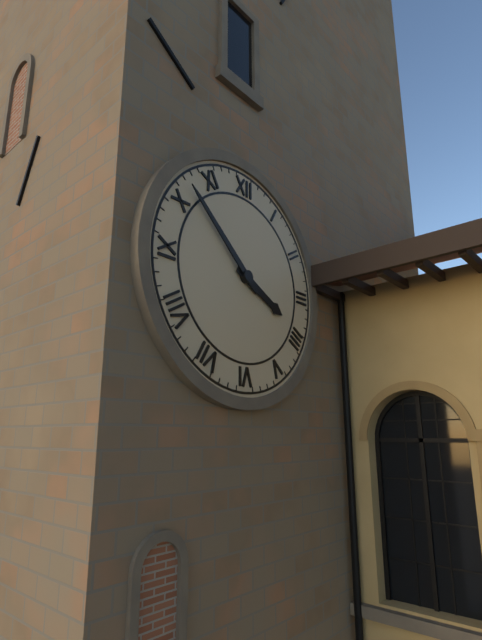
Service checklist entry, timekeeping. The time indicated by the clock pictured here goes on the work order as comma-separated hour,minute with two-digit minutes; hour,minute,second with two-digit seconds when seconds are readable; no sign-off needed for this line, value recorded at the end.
3,52
